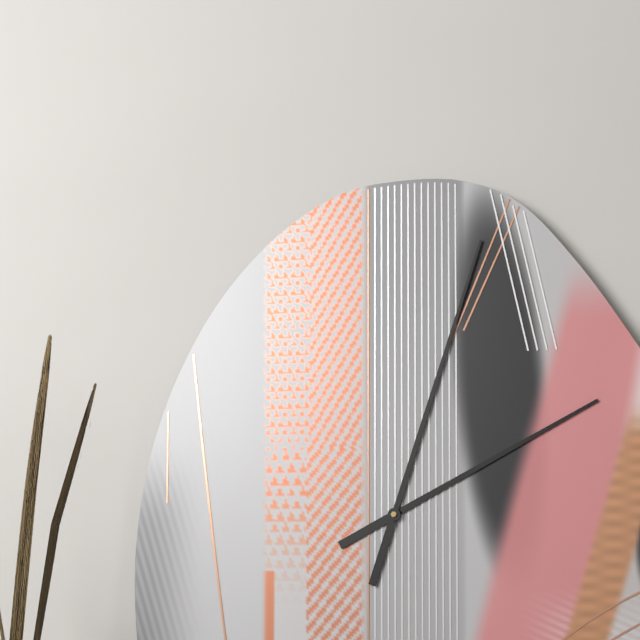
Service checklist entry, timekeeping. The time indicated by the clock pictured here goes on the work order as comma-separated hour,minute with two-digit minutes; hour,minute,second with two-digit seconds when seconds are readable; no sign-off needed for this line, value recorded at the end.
2,03
